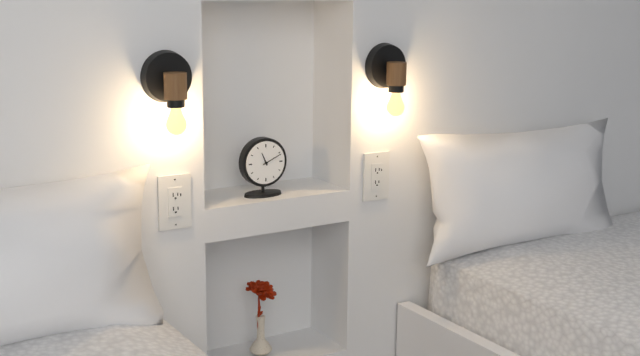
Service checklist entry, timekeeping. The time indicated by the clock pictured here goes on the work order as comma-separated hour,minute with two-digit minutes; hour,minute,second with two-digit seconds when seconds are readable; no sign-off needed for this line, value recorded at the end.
11,11
